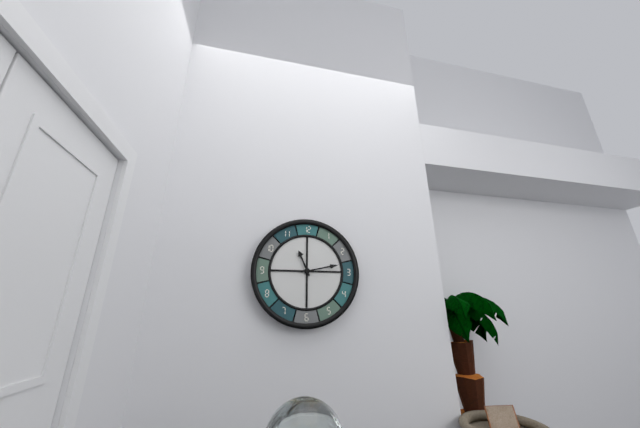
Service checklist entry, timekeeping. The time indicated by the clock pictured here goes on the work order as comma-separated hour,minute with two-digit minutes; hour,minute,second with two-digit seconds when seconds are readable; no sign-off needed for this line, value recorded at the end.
11,13
